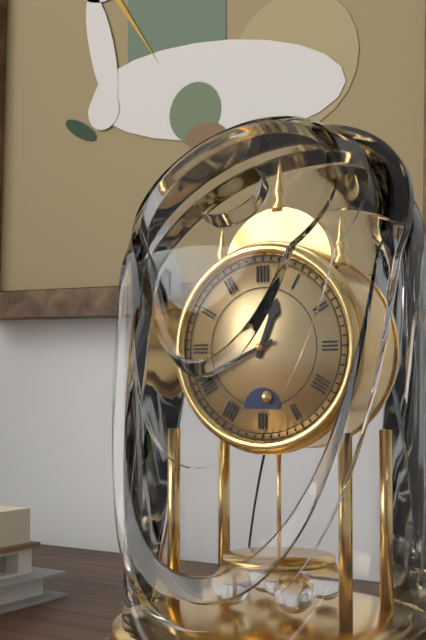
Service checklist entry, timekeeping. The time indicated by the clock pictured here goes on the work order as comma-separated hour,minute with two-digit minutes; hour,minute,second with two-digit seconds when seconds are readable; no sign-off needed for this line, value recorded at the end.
12,41
